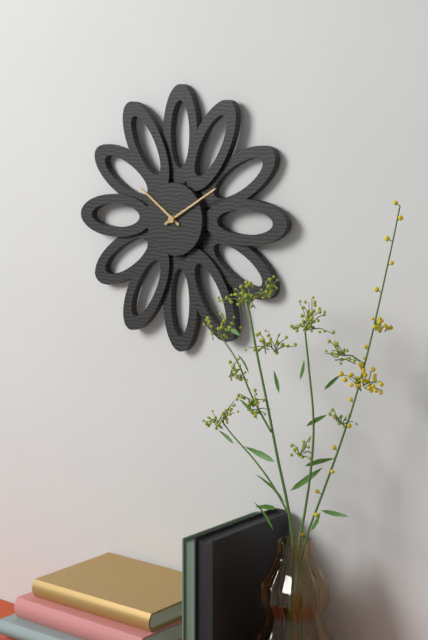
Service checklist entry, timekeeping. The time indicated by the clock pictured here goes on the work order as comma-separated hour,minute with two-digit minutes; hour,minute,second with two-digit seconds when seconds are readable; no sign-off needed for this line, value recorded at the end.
10,10
